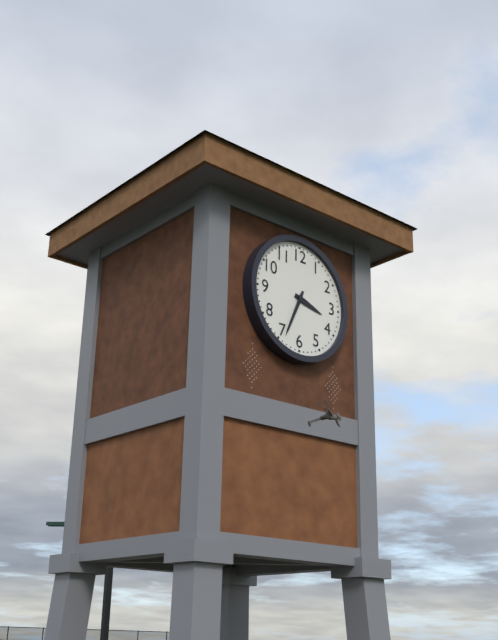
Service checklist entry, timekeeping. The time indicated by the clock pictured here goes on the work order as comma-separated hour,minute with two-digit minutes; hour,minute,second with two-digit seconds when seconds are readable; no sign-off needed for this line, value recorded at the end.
3,34
